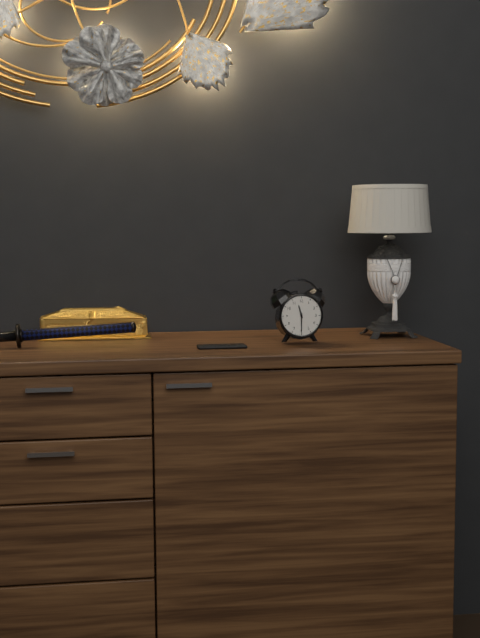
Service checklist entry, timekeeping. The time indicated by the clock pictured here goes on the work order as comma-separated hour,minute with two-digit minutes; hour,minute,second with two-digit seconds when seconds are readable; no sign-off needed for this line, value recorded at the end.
11,30
